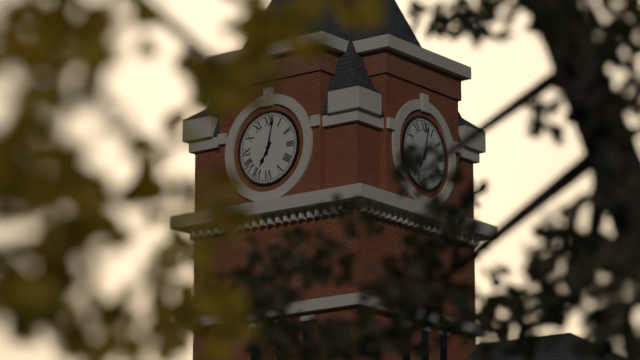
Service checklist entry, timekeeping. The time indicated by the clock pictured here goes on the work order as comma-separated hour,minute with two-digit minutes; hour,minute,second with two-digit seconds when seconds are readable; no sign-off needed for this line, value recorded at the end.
7,02
